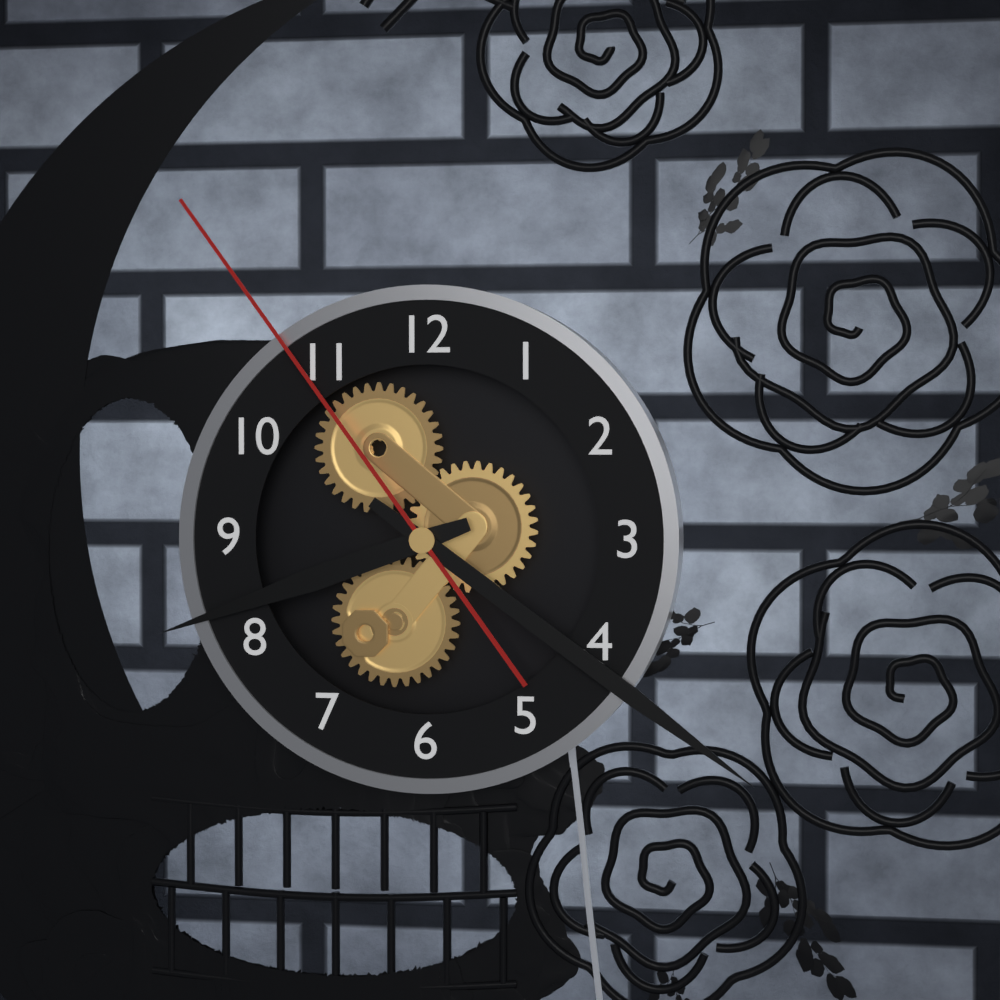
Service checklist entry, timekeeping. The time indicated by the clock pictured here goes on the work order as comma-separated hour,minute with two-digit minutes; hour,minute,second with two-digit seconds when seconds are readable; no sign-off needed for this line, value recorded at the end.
8,21,54
